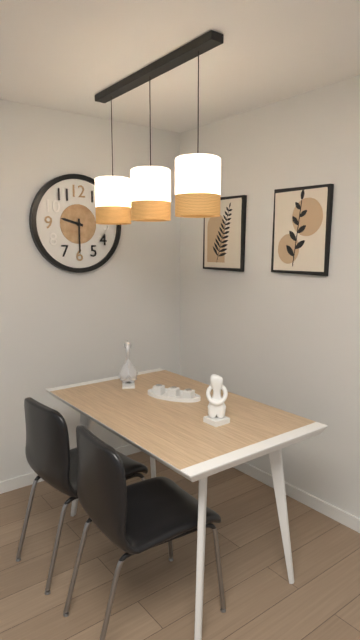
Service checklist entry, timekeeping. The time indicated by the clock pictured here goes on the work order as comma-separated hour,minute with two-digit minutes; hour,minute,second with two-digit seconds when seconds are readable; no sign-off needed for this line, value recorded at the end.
9,30
